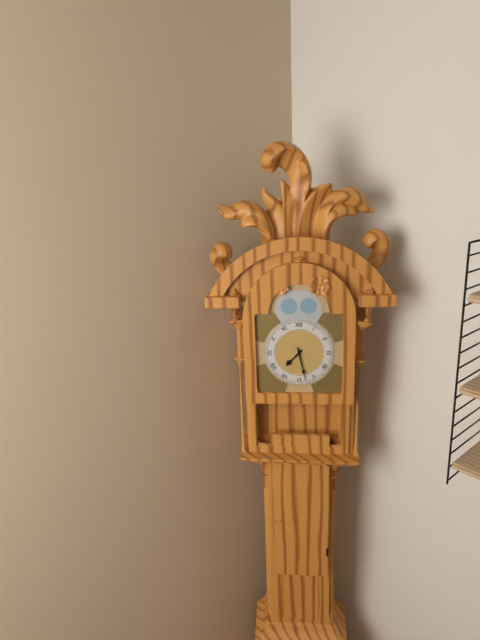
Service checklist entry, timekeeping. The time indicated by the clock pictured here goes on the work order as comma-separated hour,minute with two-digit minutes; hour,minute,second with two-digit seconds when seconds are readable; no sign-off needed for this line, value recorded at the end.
7,28
